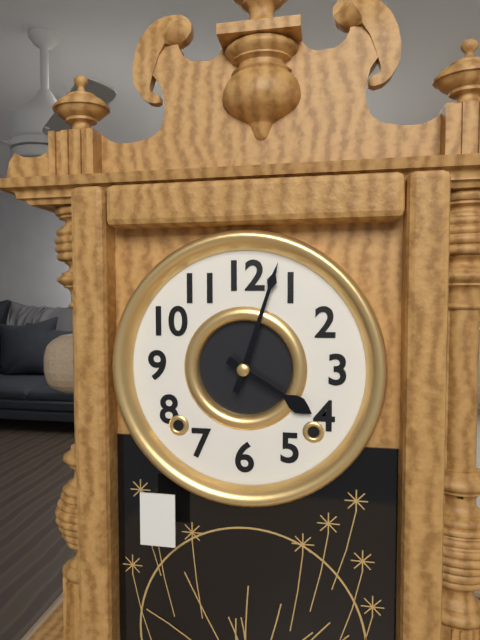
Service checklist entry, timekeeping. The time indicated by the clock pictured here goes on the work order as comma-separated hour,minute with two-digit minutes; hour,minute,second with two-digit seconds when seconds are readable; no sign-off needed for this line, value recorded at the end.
4,03
